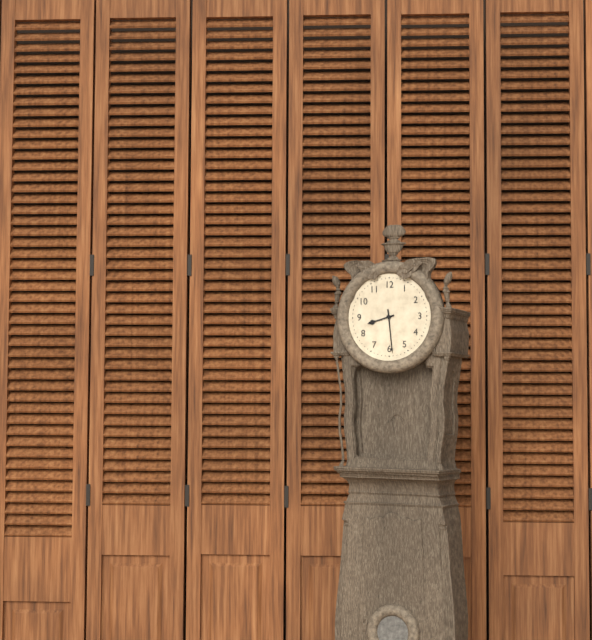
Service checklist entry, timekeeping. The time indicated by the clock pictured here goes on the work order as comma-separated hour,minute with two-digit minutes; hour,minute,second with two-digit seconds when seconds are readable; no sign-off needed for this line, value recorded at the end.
8,29
